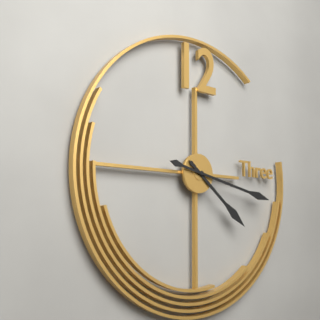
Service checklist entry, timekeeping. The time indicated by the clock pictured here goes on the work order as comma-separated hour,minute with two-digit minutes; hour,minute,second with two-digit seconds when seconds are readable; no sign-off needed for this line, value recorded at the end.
4,17
